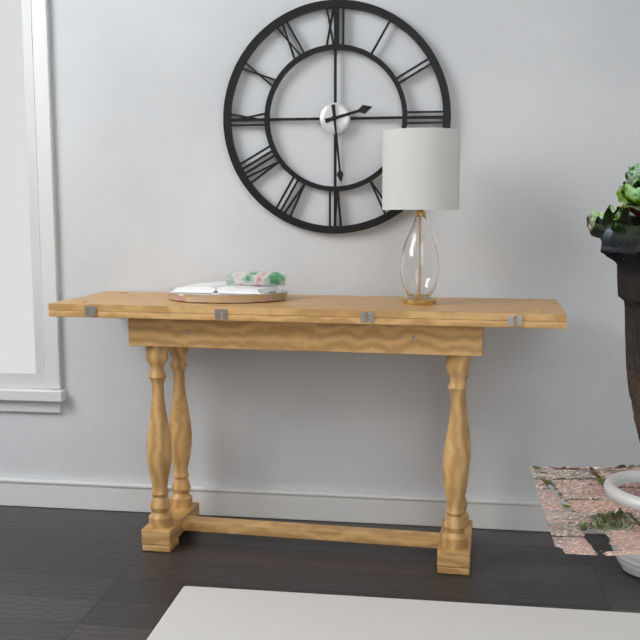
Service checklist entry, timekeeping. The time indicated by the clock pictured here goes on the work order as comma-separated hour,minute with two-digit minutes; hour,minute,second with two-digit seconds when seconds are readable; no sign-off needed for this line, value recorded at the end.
2,29
